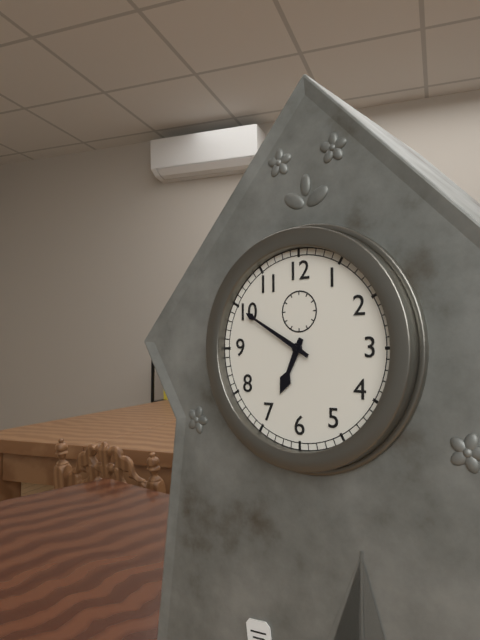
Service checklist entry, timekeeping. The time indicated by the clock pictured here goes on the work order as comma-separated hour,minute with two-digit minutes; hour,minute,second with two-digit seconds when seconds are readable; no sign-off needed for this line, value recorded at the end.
6,50
